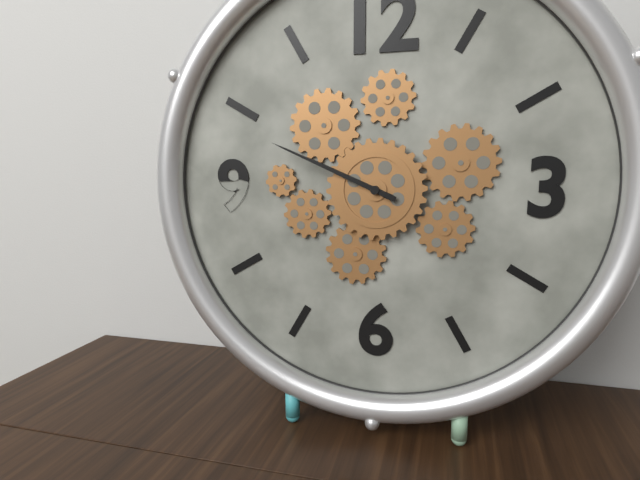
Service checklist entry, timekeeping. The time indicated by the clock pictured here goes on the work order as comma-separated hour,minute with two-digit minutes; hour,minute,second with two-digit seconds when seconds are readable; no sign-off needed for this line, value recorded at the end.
9,49
